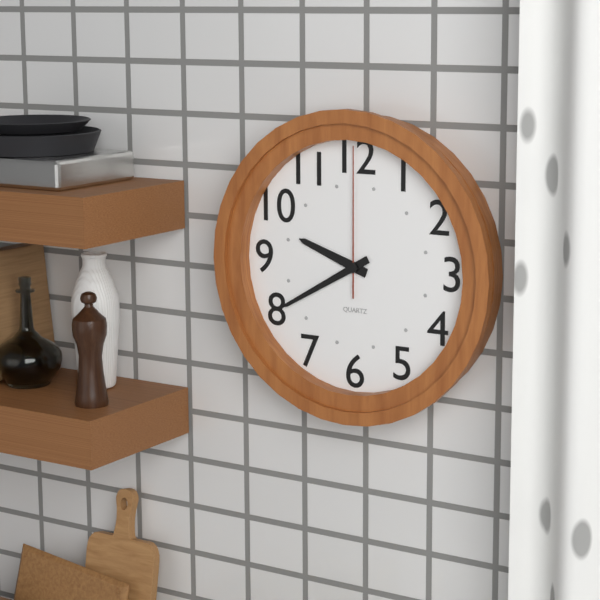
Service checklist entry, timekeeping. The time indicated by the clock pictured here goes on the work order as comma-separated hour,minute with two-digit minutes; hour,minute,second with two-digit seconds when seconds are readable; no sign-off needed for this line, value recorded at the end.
9,40,00
